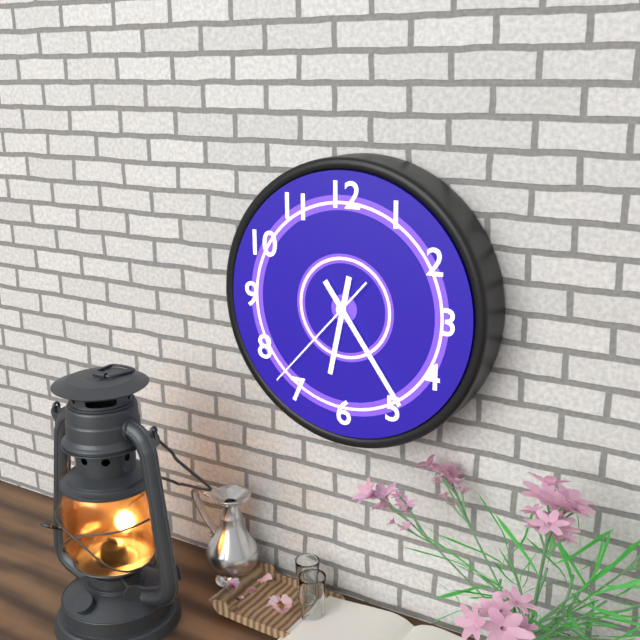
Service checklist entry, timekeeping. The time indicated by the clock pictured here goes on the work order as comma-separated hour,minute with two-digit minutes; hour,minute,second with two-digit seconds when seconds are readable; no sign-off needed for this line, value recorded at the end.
6,24,37
